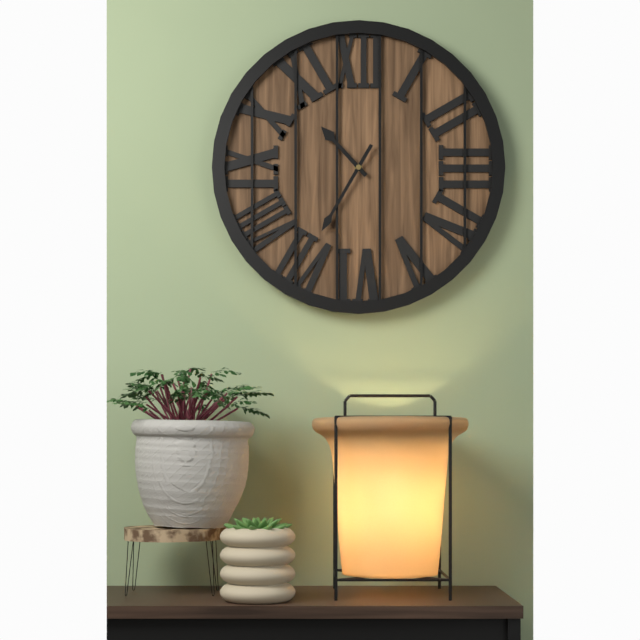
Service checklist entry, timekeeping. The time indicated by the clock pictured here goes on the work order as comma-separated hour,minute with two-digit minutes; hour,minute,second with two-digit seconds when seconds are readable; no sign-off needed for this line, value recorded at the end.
10,35
